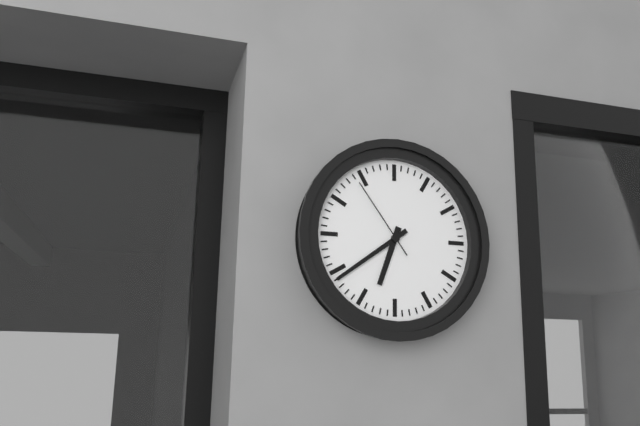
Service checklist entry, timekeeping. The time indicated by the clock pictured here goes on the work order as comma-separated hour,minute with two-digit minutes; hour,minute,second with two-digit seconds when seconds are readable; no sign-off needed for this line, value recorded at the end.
6,39,54
